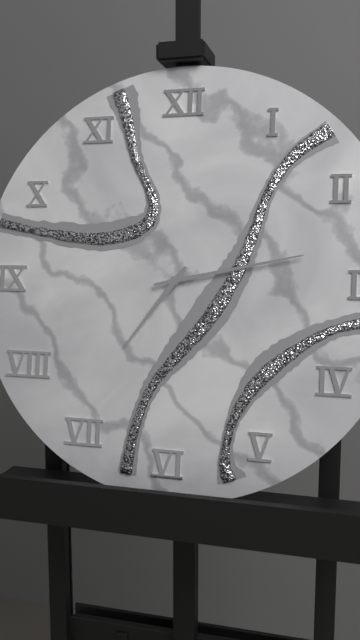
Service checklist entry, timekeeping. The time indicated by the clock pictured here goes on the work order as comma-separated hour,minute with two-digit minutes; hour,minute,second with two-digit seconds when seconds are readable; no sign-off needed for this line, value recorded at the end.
7,13
